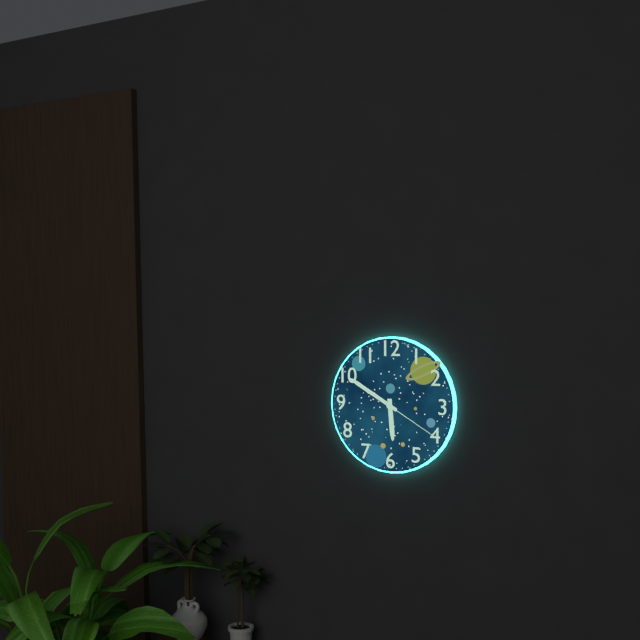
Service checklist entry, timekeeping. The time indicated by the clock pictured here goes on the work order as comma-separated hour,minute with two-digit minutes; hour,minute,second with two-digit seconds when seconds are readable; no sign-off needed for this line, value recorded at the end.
5,50,20
